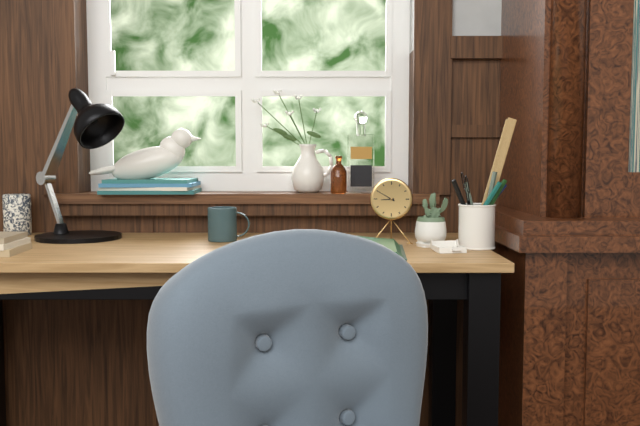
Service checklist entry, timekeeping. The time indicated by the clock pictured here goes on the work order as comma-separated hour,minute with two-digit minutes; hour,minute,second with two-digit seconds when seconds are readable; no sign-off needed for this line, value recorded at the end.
8,50
